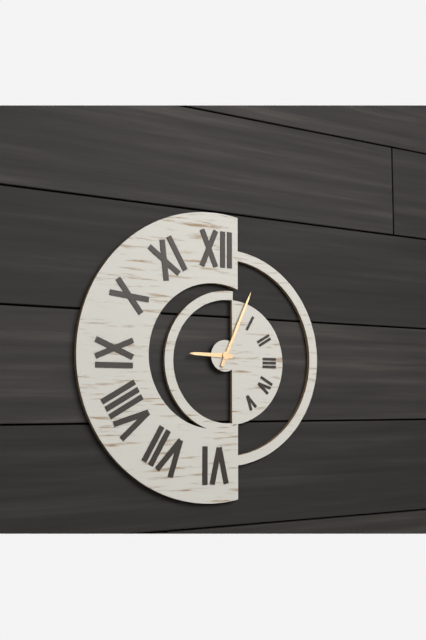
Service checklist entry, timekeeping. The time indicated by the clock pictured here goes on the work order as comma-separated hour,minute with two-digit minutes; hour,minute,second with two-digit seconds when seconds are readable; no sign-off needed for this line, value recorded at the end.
9,04
